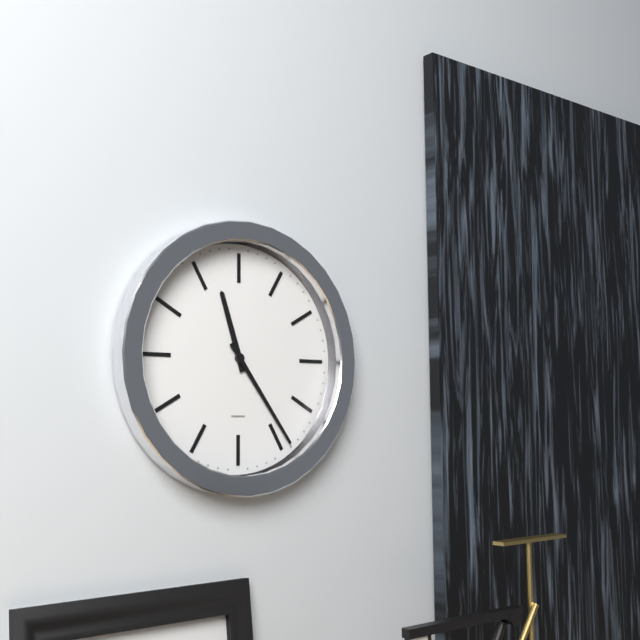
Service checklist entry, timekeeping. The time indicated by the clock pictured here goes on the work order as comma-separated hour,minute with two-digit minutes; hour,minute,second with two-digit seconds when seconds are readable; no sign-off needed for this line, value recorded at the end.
11,24
